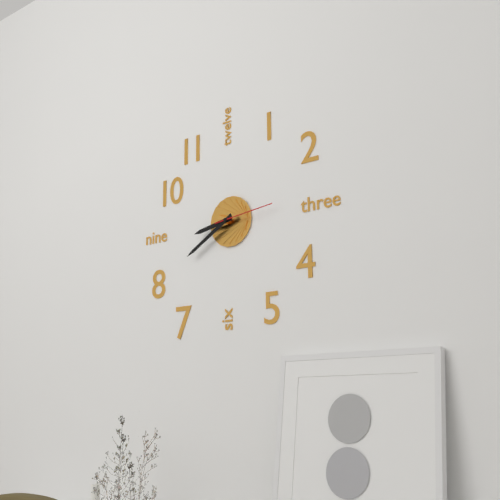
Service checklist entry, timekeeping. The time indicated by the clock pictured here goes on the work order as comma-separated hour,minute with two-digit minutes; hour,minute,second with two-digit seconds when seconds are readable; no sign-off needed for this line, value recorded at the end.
8,40,14
